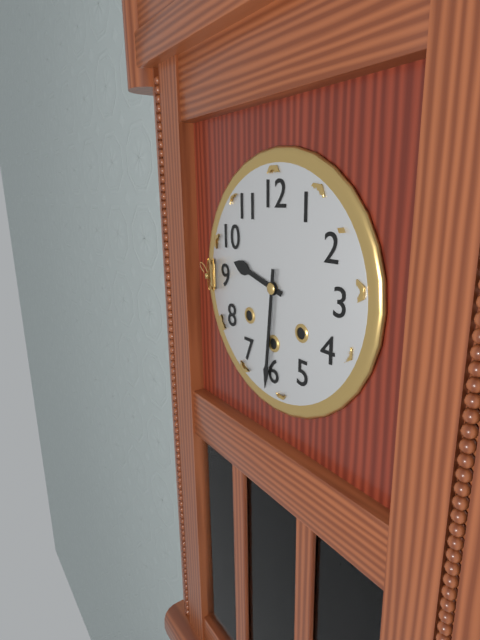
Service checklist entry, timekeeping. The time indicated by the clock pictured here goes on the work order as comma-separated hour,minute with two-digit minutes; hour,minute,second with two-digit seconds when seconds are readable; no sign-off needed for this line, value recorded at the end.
9,31
